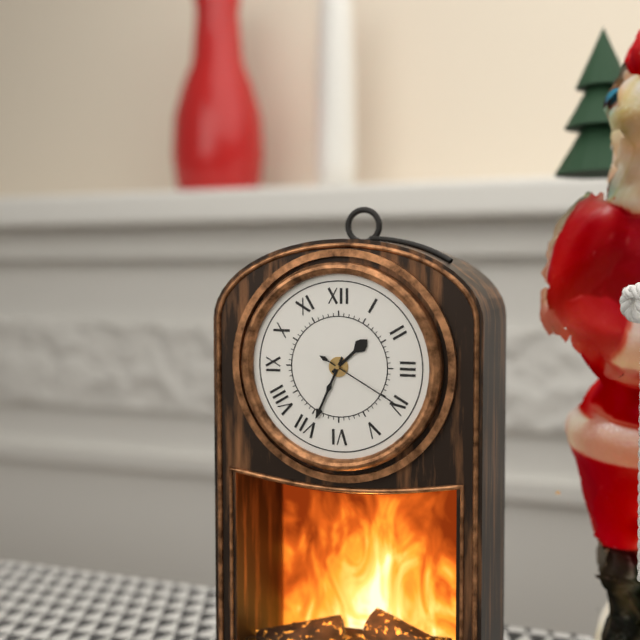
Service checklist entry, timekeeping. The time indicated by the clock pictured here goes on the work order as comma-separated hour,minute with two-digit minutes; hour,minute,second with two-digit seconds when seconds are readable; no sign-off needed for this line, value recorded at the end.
1,34,20
